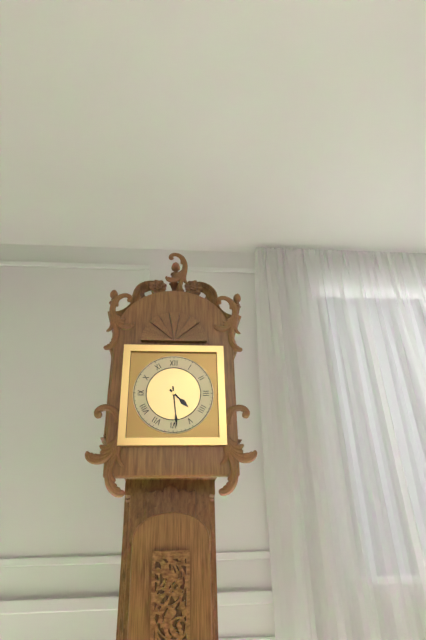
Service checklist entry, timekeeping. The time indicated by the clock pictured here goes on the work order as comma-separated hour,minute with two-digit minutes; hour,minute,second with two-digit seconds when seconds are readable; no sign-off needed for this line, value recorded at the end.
4,29
